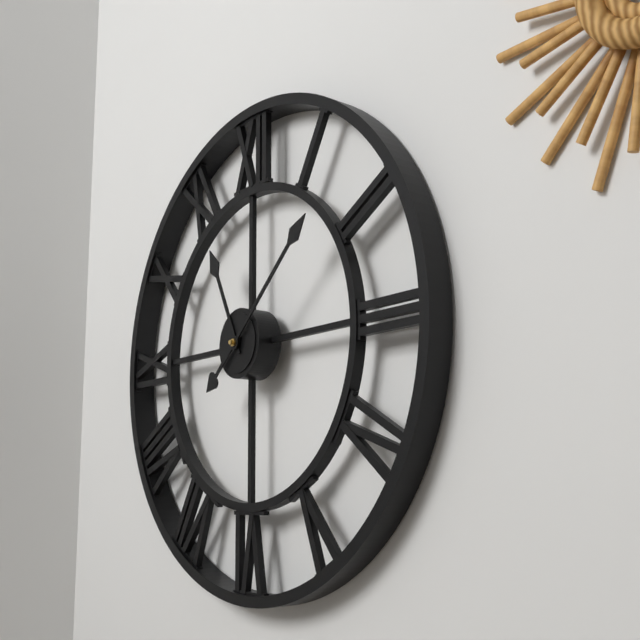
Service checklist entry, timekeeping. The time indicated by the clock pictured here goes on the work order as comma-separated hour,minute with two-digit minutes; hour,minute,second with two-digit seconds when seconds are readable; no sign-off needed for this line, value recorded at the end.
11,08
